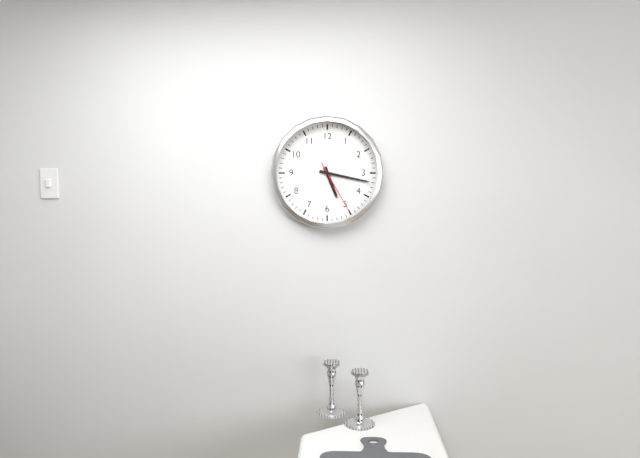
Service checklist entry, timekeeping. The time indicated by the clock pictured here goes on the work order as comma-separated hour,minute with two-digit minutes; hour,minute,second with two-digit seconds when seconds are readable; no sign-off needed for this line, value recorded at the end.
5,17,25
